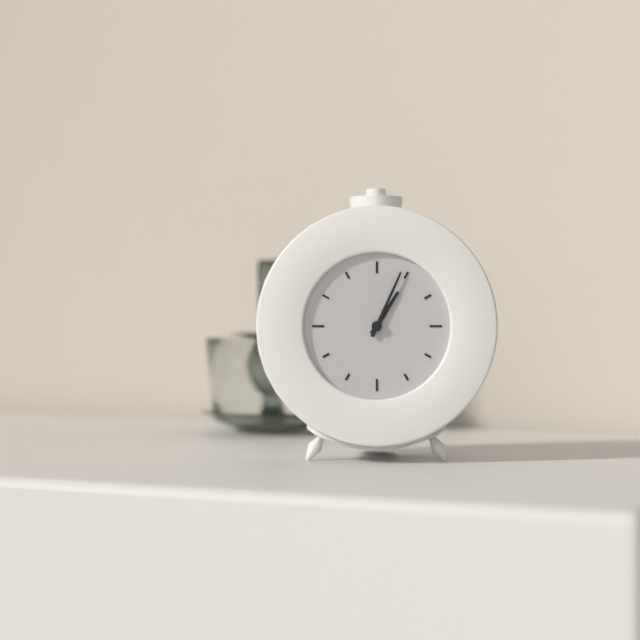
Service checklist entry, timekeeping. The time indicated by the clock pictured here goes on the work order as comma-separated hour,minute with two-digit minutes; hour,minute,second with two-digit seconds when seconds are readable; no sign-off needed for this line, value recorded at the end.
1,04
